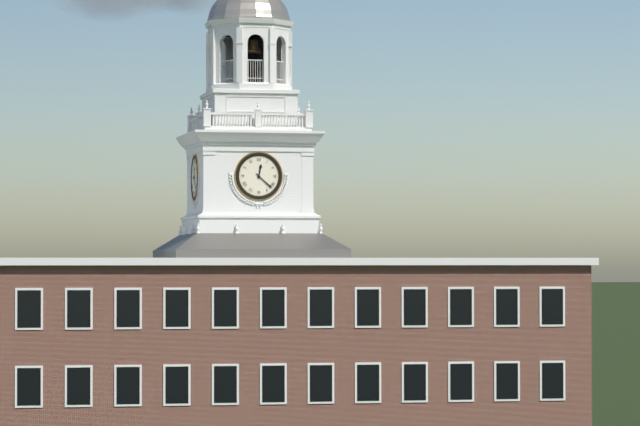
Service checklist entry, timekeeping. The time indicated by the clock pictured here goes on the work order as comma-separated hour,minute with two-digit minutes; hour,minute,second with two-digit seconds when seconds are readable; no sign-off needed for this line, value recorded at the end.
12,22
